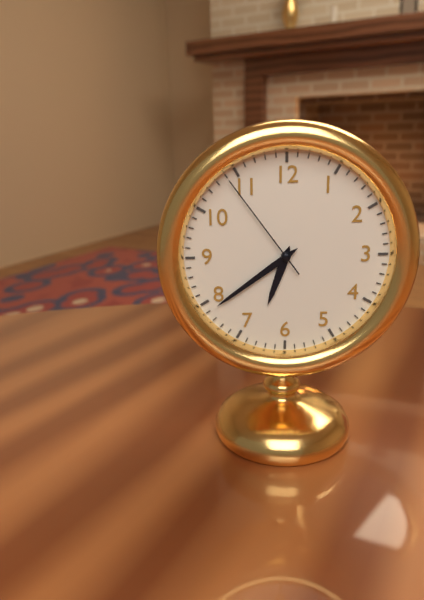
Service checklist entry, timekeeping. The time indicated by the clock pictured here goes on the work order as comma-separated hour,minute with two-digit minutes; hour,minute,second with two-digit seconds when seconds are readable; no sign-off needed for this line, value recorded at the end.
6,39,54
